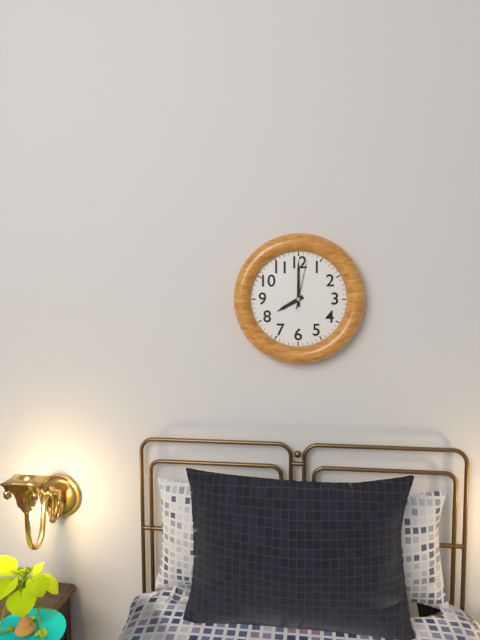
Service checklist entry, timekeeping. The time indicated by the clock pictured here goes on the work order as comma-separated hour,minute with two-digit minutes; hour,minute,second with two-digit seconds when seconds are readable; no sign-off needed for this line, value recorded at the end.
8,00
